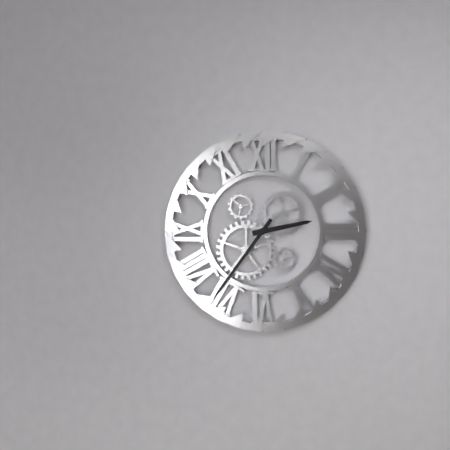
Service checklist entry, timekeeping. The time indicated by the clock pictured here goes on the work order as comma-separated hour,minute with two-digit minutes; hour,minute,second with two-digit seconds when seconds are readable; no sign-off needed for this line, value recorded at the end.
2,36
